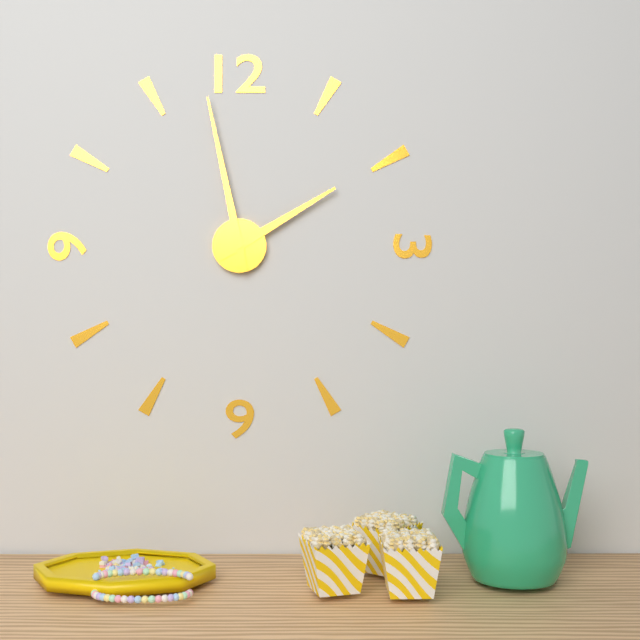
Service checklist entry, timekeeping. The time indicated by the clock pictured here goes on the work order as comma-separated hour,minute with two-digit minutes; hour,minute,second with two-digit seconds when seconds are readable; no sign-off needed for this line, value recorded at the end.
1,58
